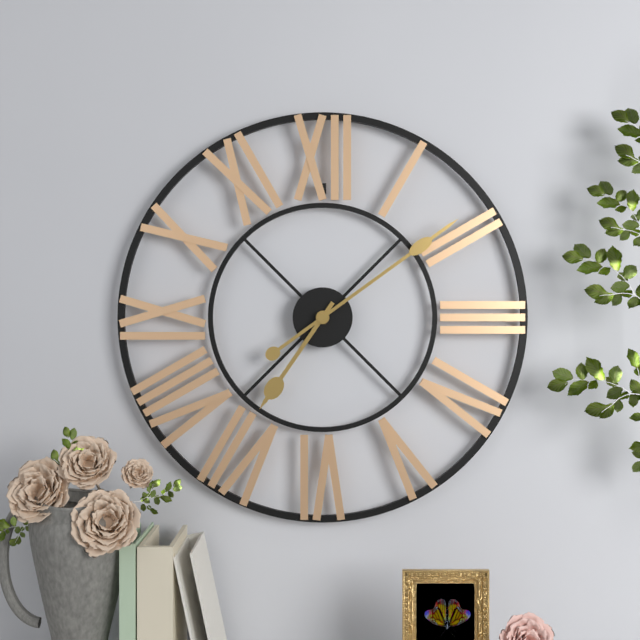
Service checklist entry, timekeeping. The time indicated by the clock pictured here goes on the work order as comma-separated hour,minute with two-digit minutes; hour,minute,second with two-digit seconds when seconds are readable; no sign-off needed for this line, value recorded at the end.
7,09
